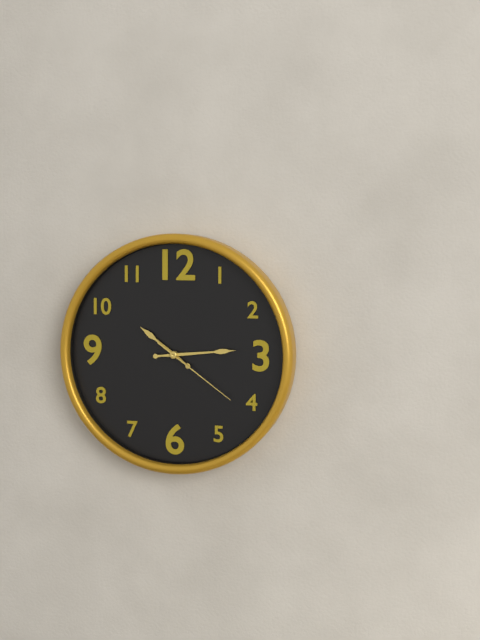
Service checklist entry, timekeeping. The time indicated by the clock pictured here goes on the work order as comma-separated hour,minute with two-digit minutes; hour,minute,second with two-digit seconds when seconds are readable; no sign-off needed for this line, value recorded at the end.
10,14,21
